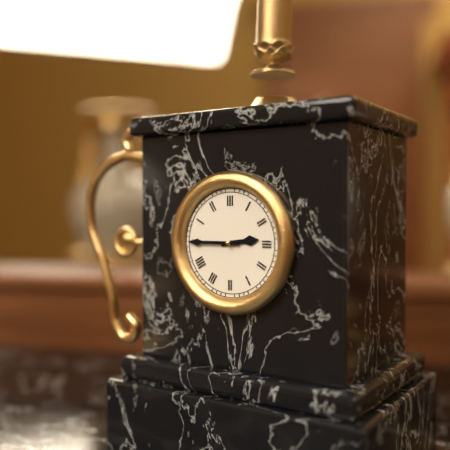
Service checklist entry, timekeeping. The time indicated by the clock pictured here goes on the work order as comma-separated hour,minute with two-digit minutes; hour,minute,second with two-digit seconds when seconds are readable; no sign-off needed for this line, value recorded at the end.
2,45
